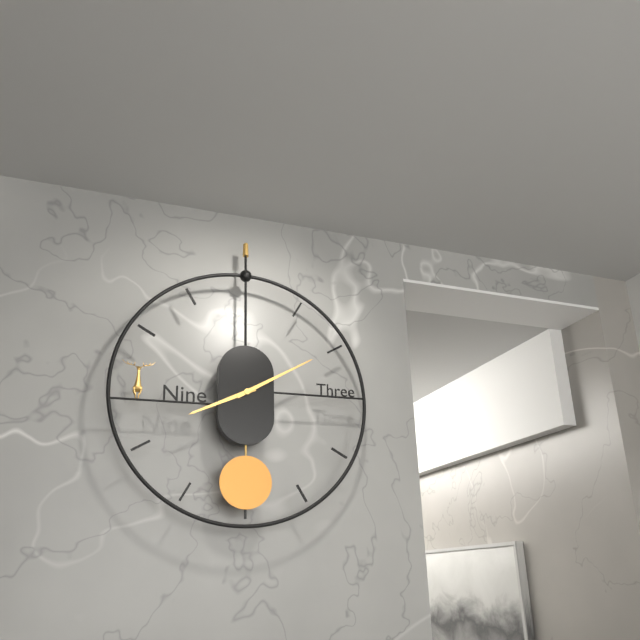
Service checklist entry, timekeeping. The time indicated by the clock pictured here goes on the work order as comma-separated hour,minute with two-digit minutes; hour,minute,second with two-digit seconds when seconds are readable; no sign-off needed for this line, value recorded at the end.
8,10
